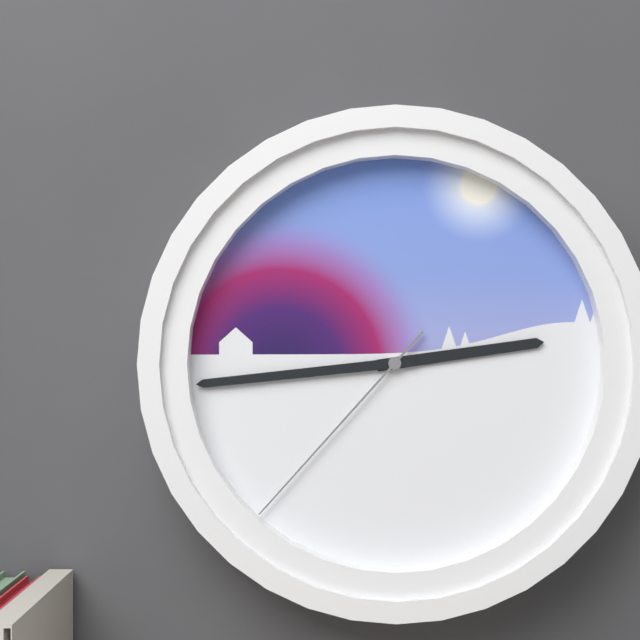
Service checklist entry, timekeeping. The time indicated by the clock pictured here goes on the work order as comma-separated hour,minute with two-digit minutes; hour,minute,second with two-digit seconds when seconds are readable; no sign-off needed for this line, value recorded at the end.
2,44,37
